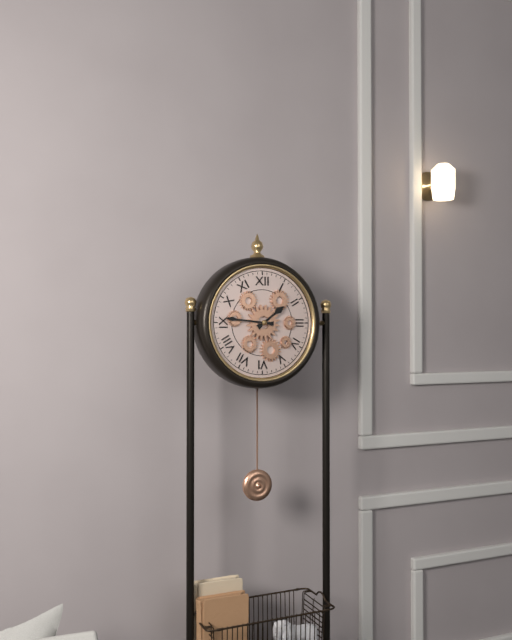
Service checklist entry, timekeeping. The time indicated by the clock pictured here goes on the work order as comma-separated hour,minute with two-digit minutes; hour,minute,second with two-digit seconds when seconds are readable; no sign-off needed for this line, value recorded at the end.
1,46
